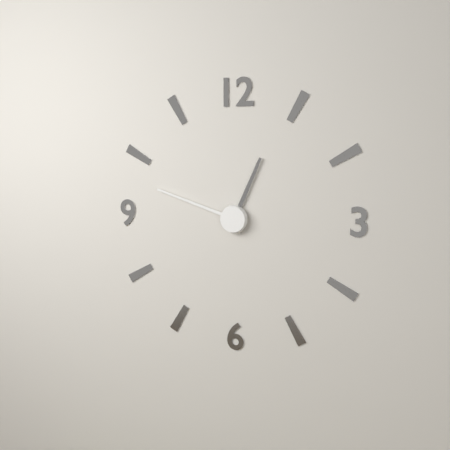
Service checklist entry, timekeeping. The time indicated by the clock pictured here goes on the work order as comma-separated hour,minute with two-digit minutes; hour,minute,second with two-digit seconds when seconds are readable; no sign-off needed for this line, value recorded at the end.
12,48
